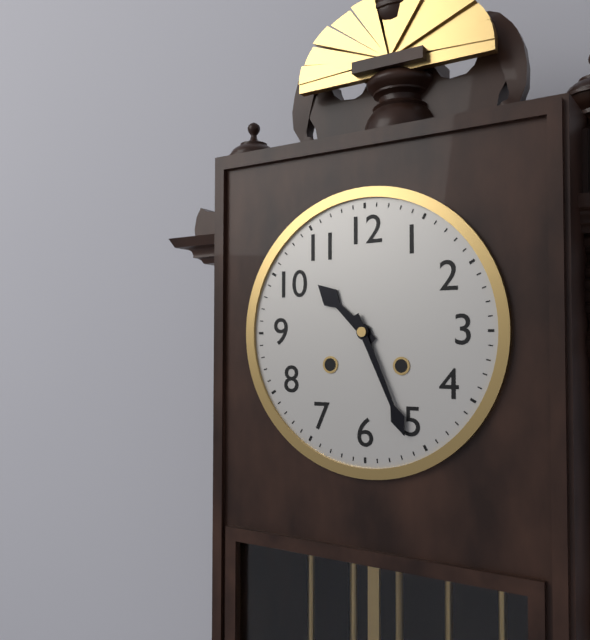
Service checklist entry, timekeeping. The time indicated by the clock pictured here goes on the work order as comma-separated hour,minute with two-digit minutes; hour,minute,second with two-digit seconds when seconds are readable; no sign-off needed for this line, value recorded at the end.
10,26
